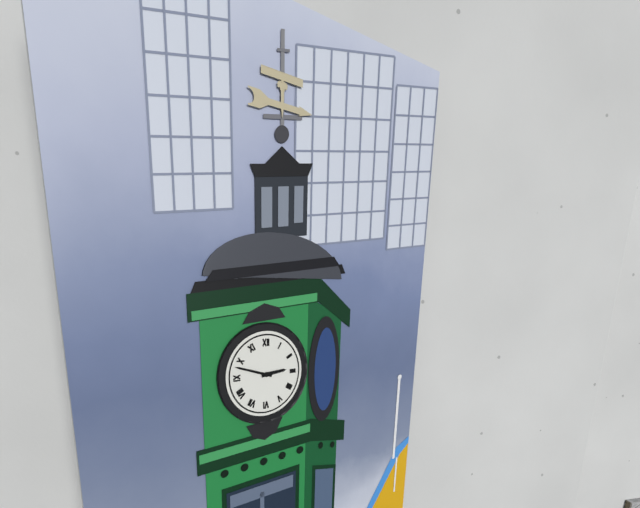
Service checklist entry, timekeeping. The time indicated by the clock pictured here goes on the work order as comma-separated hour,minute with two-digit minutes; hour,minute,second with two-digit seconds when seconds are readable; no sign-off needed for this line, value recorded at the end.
2,48
